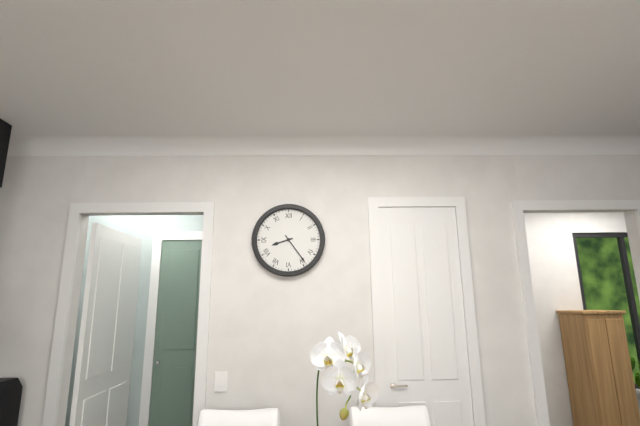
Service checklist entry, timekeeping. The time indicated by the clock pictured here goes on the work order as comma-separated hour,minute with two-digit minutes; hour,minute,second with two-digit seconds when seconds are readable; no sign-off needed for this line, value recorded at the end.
8,24
